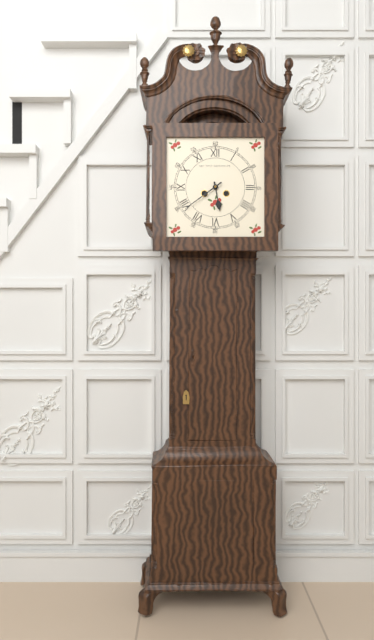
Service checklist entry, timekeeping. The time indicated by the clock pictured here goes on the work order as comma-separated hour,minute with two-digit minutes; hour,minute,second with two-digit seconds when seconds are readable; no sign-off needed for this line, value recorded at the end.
5,39
